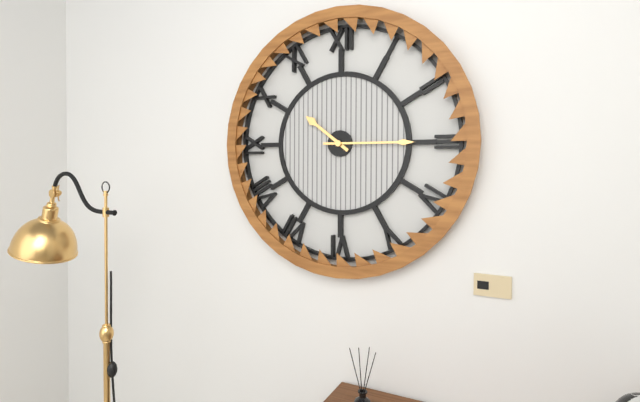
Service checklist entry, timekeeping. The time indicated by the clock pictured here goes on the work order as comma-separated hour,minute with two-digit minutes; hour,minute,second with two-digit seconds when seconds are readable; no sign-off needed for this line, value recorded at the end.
10,15
